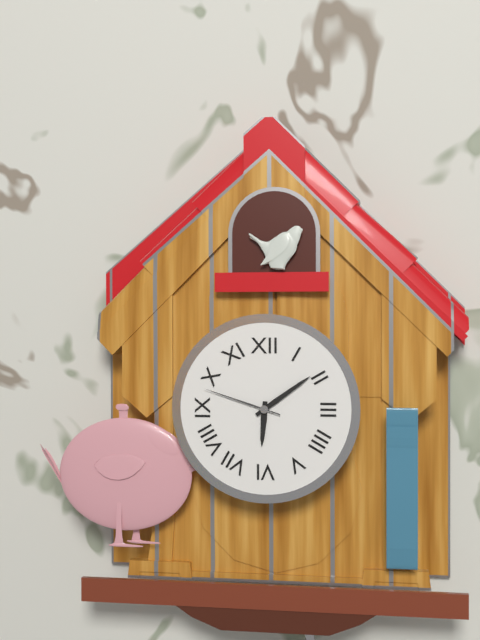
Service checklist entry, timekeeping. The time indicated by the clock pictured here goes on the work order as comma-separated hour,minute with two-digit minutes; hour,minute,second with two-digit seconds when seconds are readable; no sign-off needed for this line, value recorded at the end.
6,09,48
